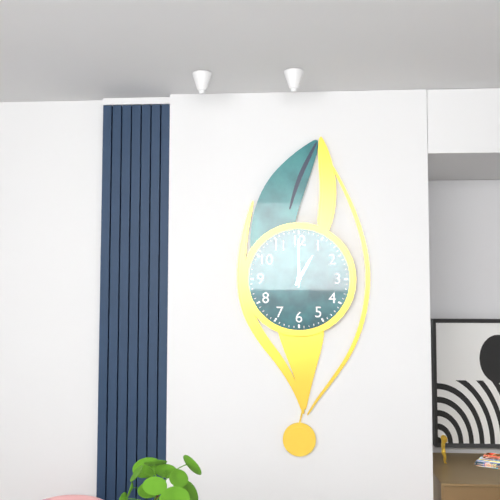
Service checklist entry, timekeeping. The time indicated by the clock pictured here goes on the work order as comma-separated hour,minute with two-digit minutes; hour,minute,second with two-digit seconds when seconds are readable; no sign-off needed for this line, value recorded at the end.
1,00
